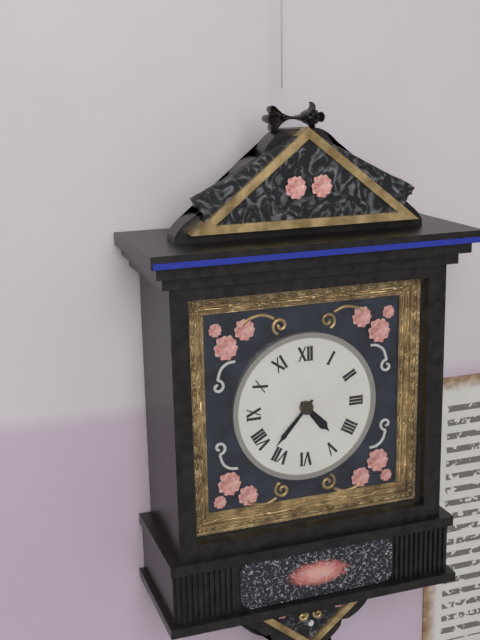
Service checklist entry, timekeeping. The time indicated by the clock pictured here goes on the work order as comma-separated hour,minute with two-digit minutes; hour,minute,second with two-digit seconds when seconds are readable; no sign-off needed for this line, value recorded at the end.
4,37
